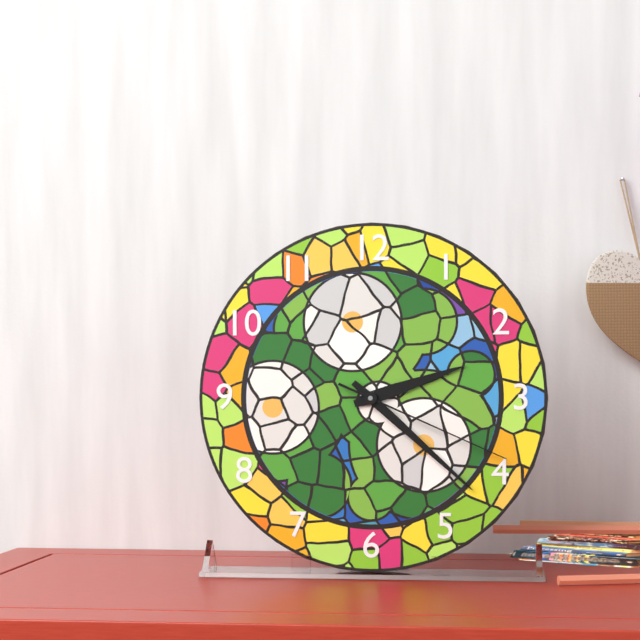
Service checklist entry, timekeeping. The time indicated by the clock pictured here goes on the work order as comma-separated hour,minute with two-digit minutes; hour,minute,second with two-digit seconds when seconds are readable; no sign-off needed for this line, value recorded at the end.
2,22,19
